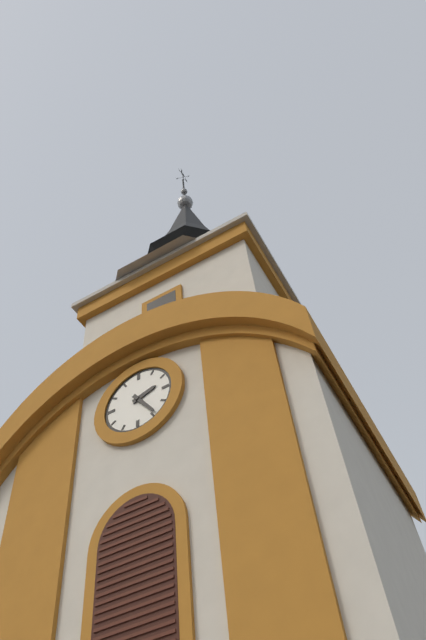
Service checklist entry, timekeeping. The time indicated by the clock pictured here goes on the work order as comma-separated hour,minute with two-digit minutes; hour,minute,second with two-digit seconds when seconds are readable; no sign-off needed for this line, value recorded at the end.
2,24
